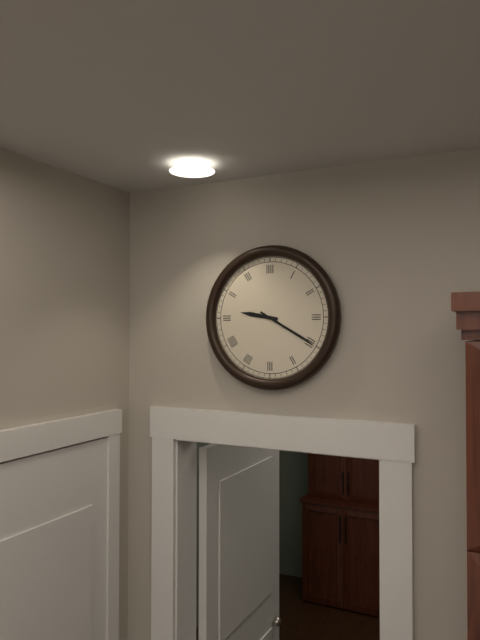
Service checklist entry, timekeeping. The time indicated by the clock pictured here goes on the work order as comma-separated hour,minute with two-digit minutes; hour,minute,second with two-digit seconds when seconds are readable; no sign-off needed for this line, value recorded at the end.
9,20
